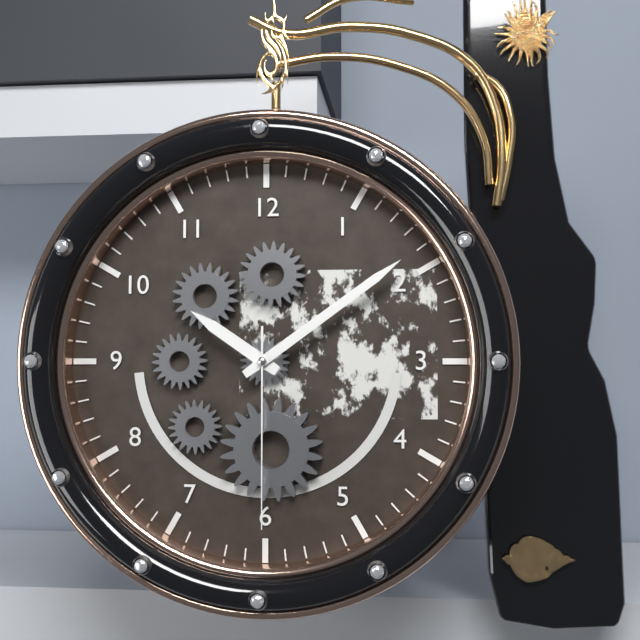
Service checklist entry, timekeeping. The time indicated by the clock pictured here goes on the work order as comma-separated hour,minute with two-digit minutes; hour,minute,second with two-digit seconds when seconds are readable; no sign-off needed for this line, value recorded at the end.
10,09,30
